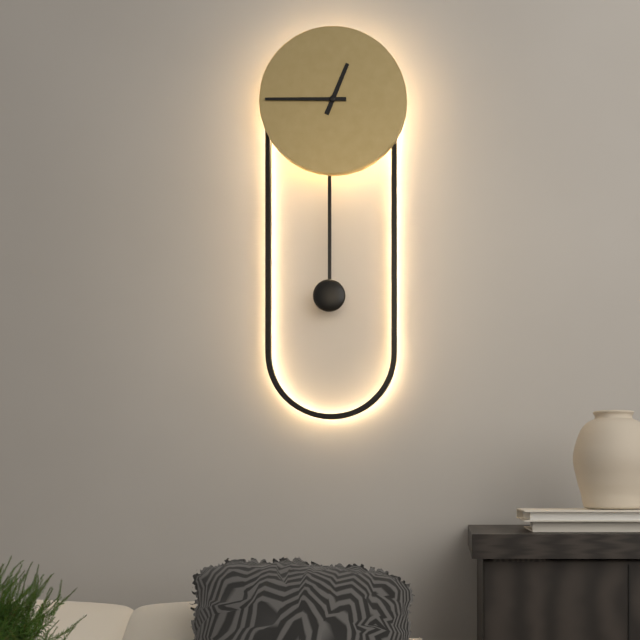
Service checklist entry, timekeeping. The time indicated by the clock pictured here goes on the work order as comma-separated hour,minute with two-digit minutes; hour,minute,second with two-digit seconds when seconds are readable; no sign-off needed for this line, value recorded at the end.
12,45
